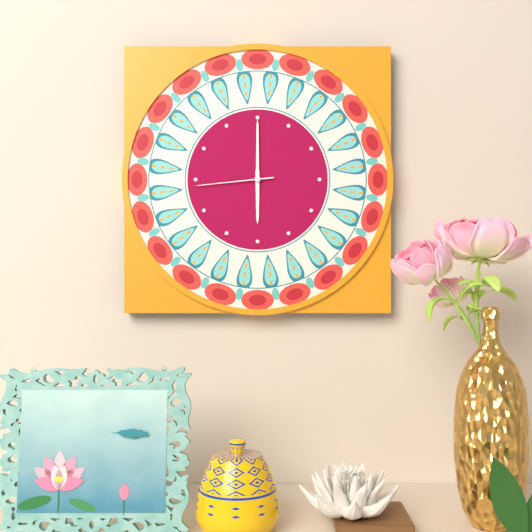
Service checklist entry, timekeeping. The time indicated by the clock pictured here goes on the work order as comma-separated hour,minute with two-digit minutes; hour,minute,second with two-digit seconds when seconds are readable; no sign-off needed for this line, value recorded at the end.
6,00,44
